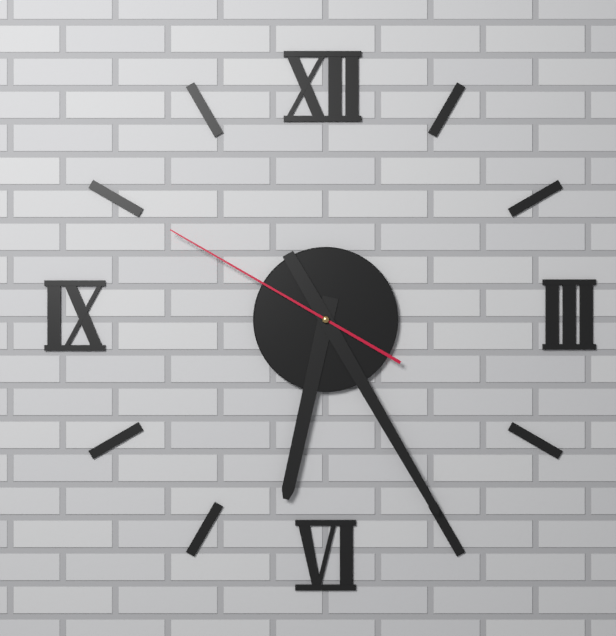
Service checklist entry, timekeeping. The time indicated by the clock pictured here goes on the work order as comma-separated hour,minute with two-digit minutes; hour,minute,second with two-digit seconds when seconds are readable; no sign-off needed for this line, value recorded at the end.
6,25,50
